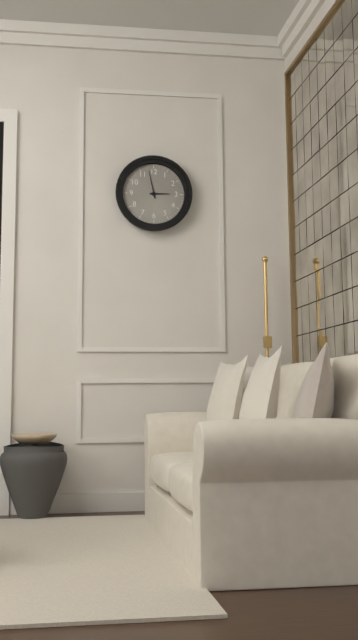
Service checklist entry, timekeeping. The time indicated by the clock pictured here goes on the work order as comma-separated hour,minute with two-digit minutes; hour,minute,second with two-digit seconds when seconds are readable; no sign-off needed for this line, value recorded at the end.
2,58
